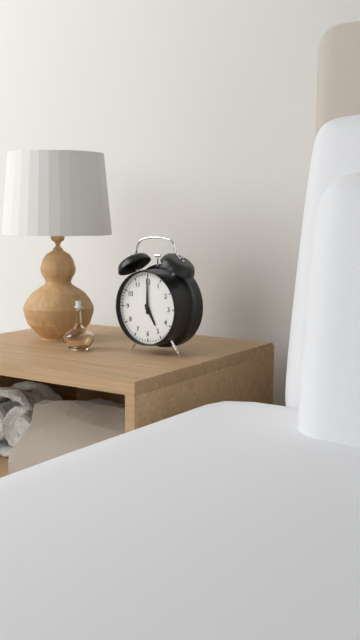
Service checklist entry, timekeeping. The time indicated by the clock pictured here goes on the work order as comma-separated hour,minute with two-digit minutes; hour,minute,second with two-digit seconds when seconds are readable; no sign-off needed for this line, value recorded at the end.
5,00
